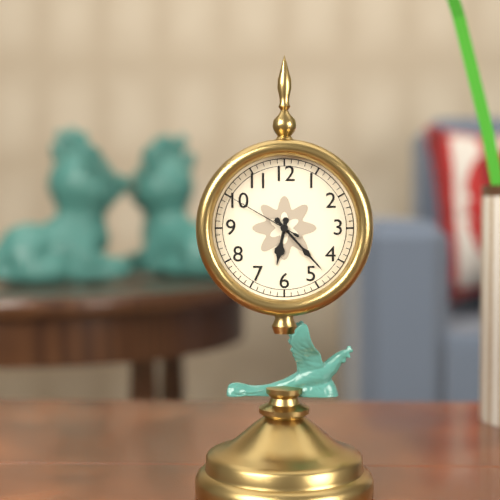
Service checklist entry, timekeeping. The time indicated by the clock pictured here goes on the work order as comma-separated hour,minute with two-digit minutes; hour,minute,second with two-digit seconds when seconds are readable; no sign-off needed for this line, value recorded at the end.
6,23,50
